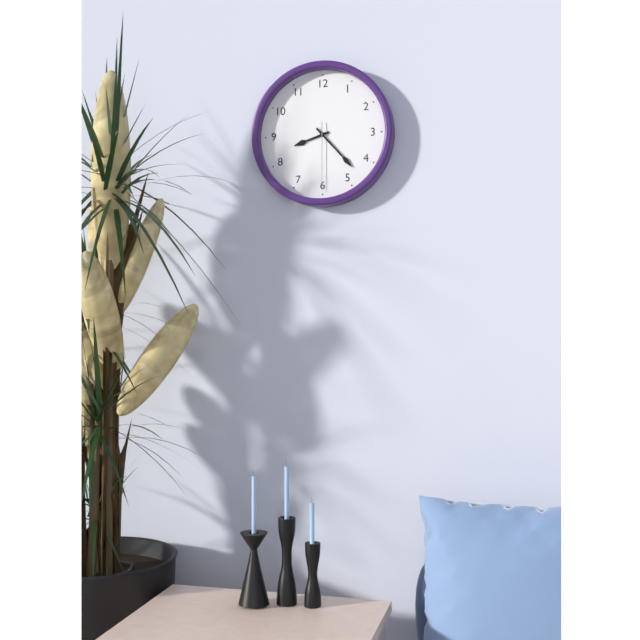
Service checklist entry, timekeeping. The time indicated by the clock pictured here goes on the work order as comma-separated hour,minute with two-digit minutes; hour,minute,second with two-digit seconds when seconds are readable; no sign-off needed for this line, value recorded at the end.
8,23,30
